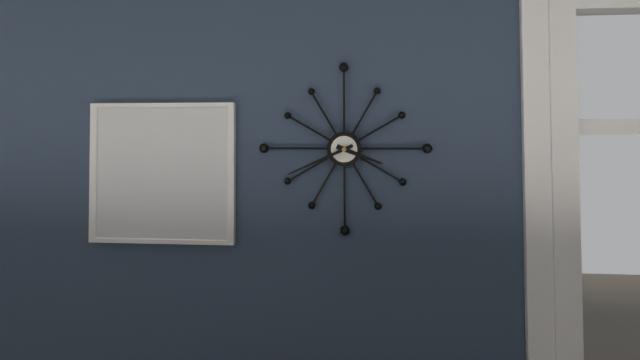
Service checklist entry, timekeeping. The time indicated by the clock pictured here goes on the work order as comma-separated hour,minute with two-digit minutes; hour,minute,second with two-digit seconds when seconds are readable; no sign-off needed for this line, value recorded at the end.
3,41
